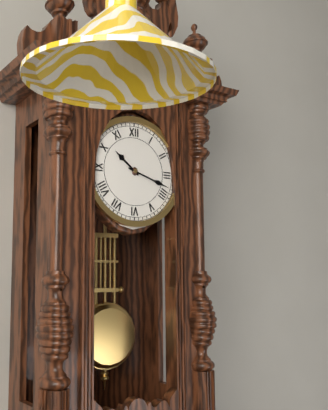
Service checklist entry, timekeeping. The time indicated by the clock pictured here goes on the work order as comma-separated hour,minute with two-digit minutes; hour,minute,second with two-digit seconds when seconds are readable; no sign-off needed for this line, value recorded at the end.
10,18
